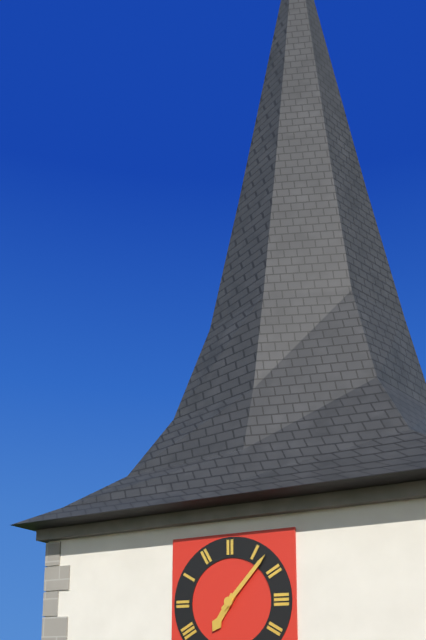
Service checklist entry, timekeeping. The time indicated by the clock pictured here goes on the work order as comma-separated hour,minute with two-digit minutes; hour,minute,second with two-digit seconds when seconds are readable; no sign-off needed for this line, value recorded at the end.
7,07
